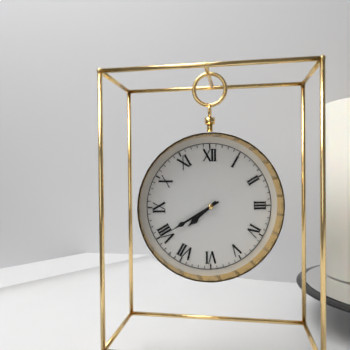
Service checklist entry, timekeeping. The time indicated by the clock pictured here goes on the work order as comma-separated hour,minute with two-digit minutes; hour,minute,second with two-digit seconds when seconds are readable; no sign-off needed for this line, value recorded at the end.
7,40
